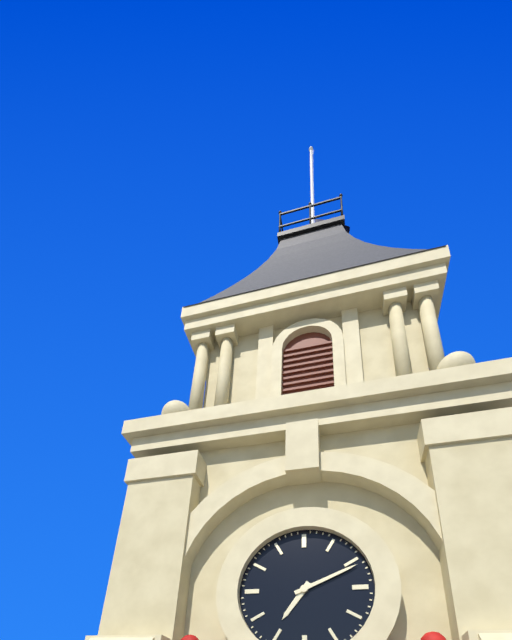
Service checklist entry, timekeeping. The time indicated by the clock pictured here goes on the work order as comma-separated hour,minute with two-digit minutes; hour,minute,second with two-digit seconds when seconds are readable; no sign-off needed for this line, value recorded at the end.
7,11
